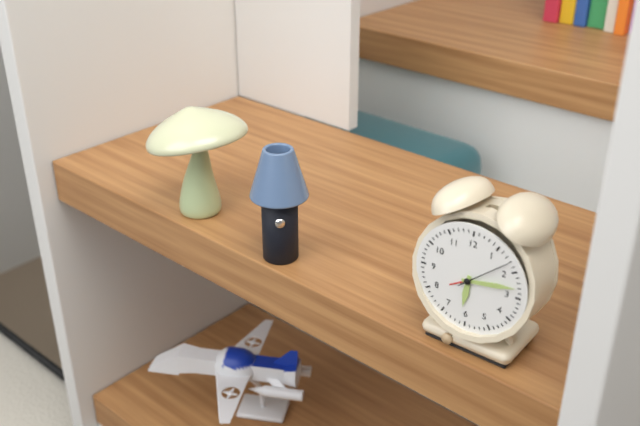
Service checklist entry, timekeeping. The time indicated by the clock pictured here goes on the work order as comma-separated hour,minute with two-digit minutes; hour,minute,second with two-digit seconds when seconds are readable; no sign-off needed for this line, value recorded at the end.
6,13,08
